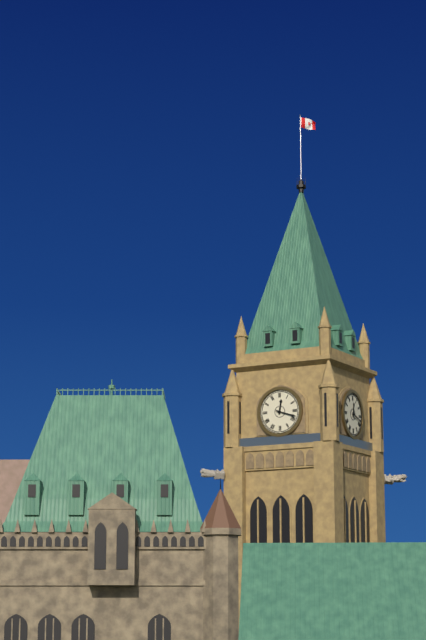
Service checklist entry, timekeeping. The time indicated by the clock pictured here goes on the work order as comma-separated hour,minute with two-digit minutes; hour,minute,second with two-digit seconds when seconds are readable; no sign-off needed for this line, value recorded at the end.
12,18
